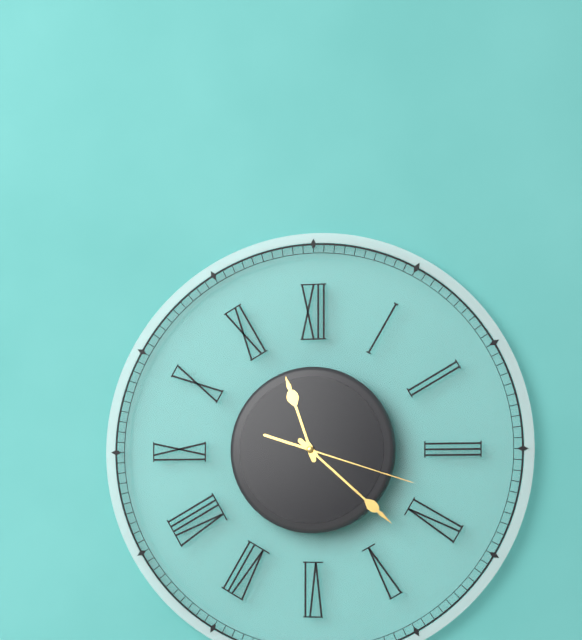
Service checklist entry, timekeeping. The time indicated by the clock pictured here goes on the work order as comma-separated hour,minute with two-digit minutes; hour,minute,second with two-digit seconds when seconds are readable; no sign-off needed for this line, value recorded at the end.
11,22,18
